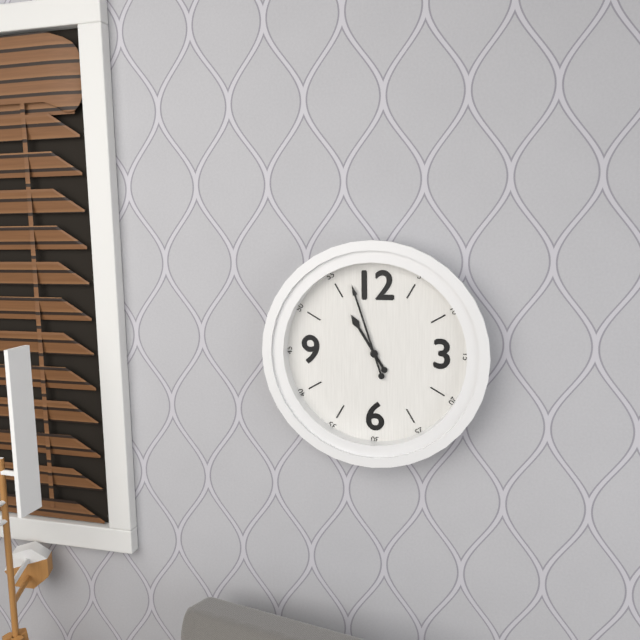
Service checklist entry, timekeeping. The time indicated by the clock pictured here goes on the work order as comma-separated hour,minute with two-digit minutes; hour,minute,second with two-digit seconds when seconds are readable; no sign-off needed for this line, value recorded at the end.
10,57
